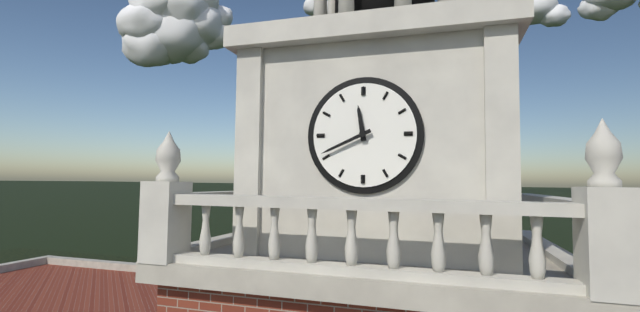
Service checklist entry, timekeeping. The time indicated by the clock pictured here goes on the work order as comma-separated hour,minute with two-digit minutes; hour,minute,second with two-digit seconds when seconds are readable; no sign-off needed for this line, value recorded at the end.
11,41
